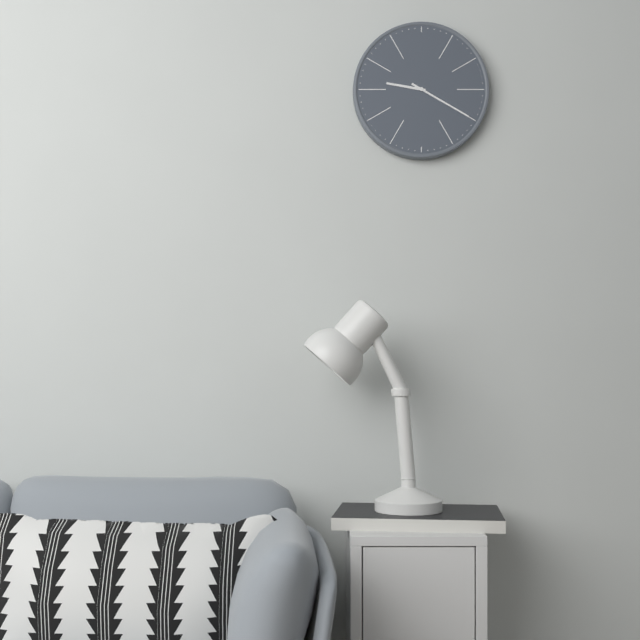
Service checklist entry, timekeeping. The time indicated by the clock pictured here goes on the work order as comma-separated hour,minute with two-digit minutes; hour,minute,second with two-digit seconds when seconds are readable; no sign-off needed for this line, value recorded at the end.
9,20
